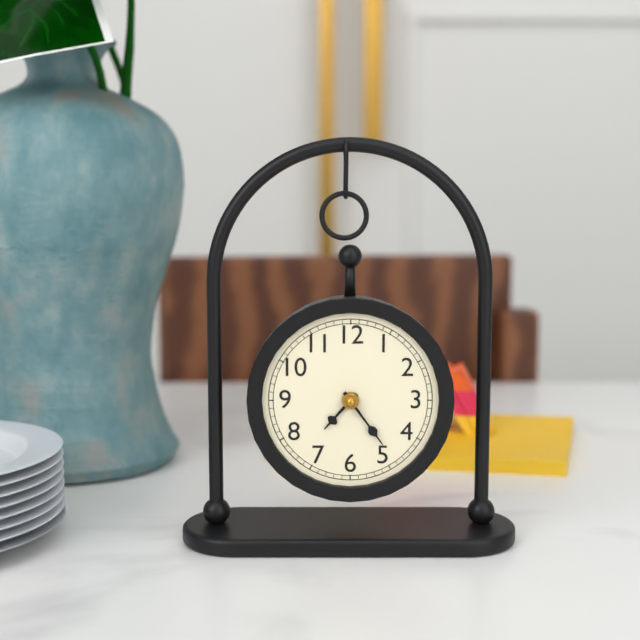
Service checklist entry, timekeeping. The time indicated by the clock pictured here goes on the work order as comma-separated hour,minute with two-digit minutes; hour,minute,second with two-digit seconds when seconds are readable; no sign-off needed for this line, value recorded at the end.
7,24
